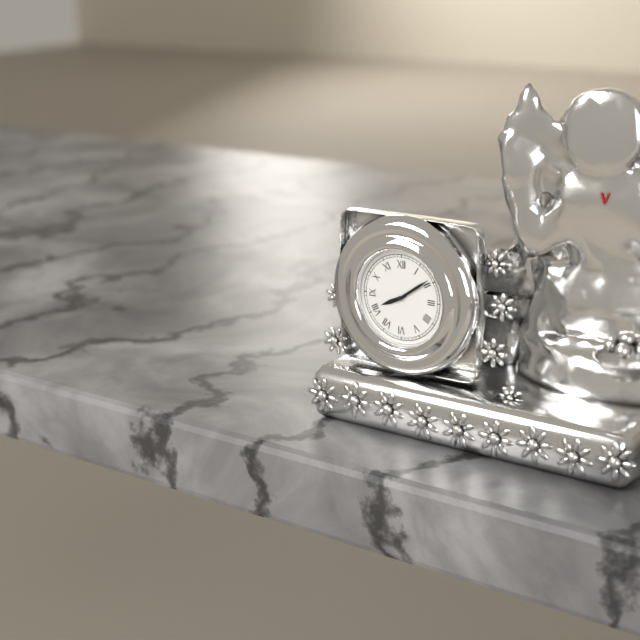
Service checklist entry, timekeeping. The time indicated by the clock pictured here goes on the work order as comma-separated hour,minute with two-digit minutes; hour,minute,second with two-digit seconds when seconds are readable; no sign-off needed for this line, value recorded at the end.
8,09
